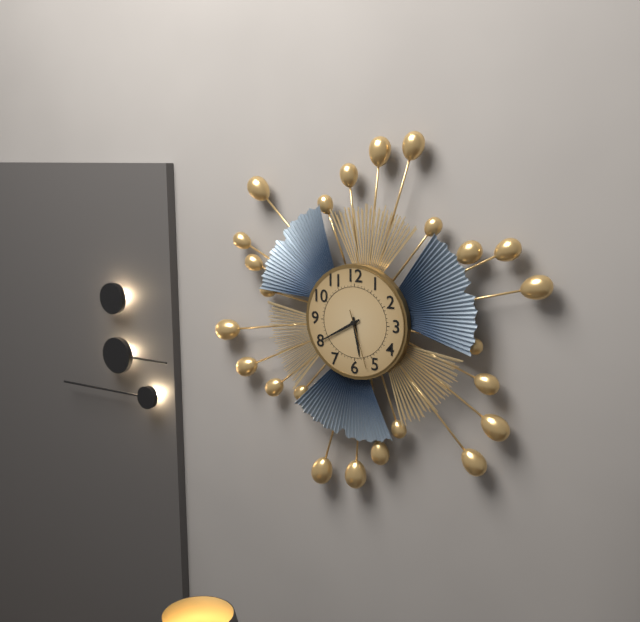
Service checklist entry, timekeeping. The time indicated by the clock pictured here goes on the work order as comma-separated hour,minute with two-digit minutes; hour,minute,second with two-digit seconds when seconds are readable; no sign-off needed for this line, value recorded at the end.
5,40,27
